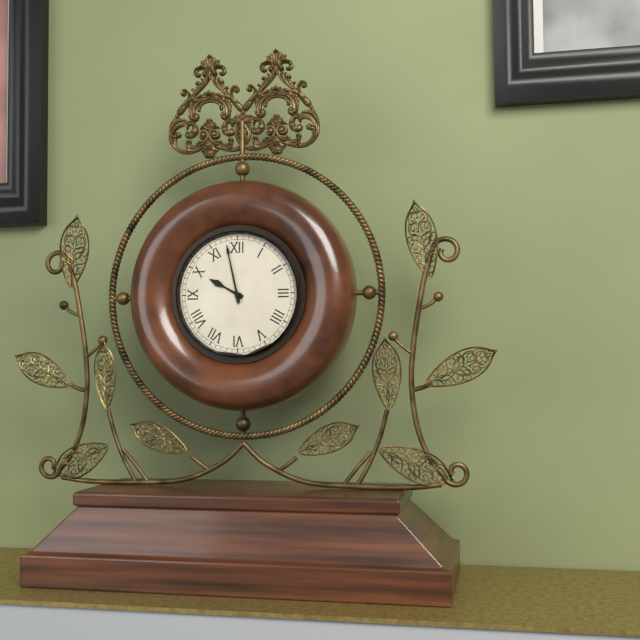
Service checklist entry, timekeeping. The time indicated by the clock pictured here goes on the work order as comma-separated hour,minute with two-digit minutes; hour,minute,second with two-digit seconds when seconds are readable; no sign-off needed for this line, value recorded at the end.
9,58
